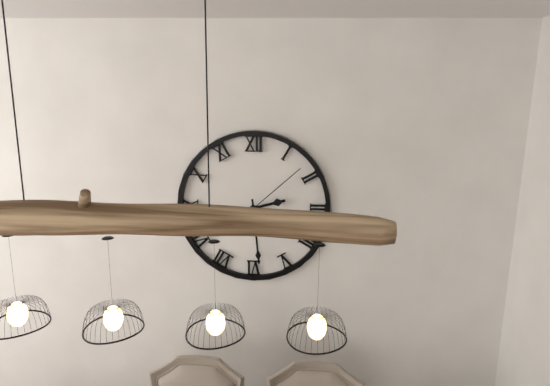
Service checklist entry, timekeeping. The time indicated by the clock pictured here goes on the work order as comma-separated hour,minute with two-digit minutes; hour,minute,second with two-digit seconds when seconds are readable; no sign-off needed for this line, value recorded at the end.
2,29,08
